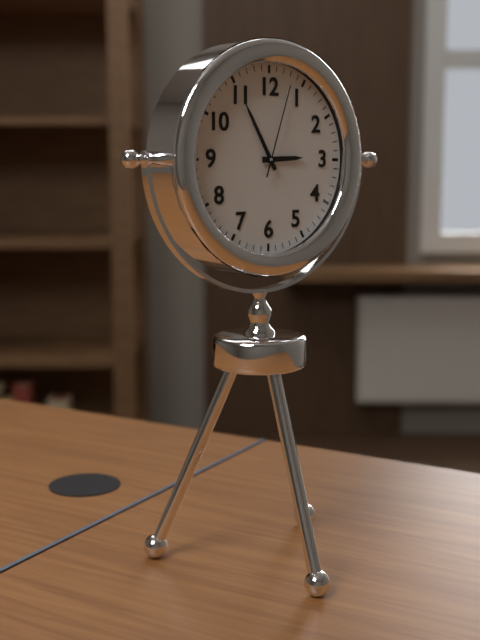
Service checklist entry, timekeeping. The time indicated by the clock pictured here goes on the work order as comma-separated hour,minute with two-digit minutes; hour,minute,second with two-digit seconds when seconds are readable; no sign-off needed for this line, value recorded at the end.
2,55,03
